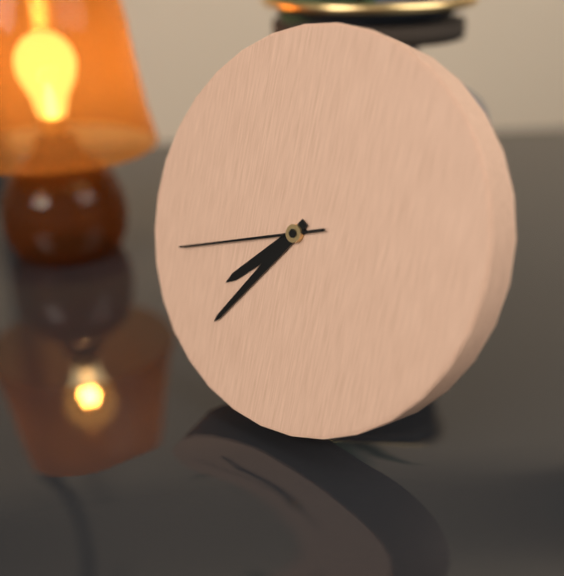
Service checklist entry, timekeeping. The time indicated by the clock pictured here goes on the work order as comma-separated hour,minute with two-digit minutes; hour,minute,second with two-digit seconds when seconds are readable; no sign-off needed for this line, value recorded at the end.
7,36,42
